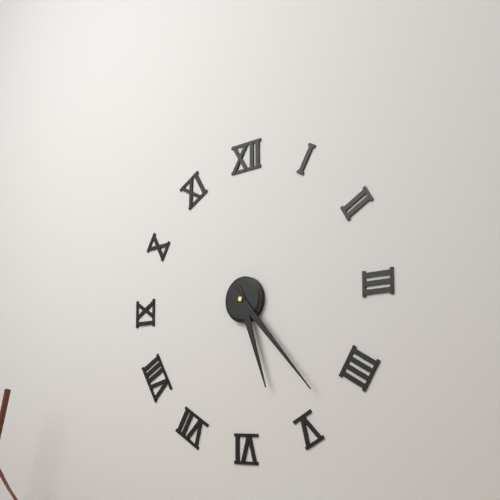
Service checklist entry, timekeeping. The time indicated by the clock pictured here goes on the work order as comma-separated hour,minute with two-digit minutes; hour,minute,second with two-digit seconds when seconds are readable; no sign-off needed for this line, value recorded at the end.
5,23
